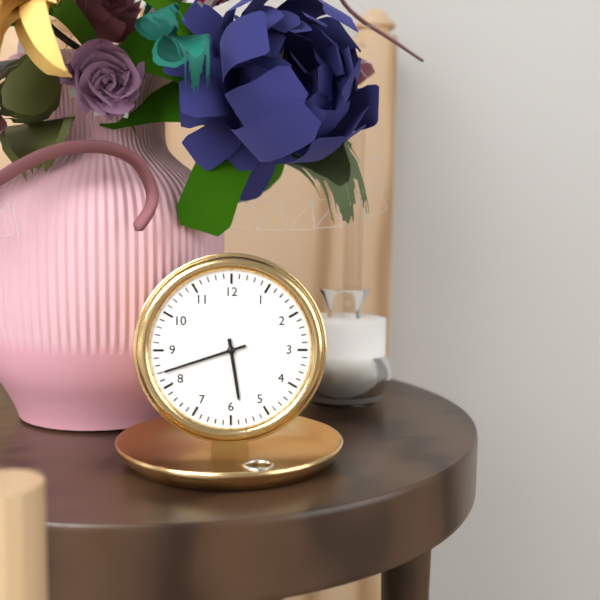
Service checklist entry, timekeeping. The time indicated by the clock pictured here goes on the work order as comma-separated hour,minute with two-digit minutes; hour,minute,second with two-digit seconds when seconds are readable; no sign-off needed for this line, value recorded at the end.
5,42
